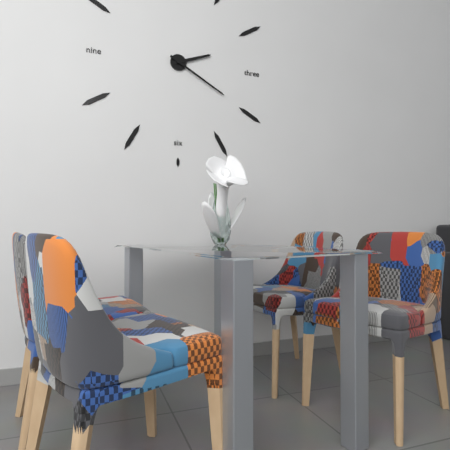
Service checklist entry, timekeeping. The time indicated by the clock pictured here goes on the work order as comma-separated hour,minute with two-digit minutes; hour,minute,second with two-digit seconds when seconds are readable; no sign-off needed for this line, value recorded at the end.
2,20
